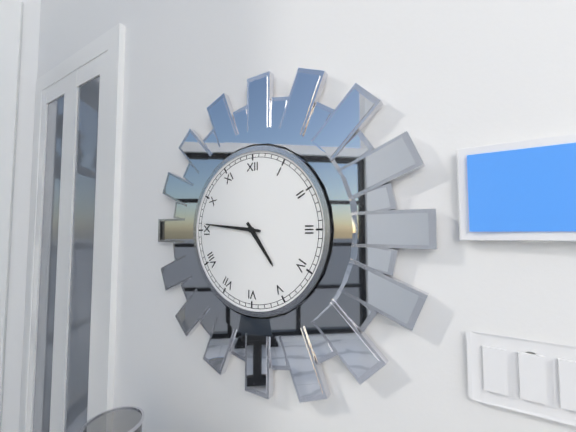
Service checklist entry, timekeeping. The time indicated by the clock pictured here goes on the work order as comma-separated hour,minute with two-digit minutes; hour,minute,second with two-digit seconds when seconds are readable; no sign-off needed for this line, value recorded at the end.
4,46
